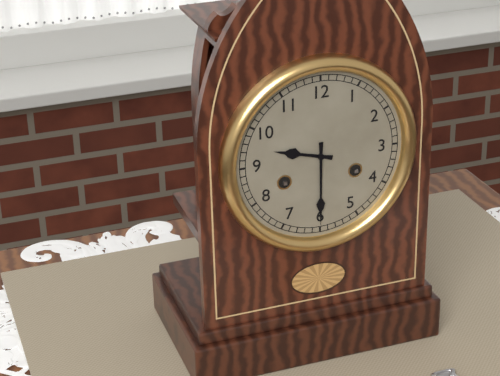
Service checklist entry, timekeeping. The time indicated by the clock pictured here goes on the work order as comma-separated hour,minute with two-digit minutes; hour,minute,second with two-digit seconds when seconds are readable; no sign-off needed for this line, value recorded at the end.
9,30
